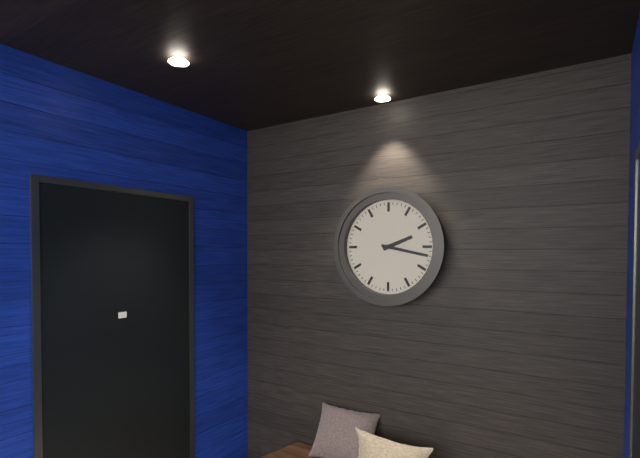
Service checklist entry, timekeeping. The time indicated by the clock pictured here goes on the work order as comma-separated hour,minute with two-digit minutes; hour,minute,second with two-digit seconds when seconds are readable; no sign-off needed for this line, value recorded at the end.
2,17
